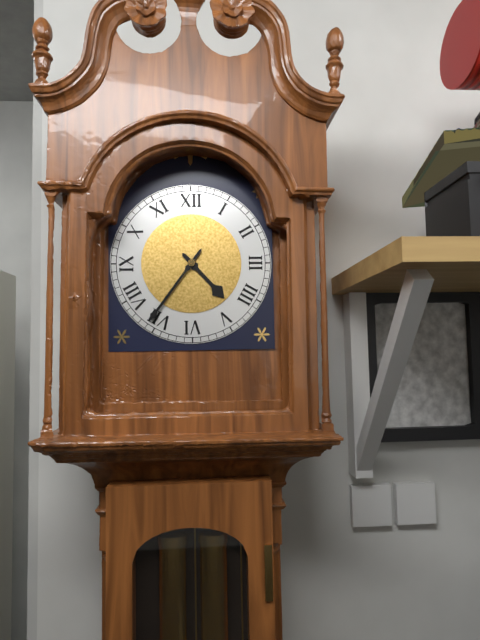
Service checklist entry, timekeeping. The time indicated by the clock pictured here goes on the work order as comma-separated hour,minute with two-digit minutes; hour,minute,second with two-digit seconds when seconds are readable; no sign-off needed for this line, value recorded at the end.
4,36
